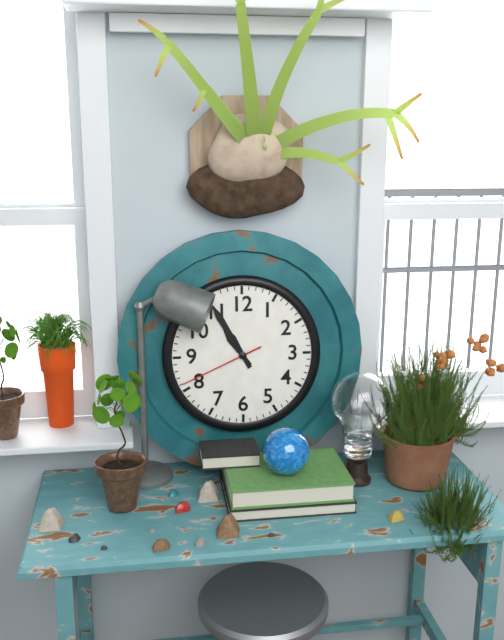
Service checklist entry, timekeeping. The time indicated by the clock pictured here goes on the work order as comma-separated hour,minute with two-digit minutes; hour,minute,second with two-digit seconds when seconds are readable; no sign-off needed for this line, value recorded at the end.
10,55,41
